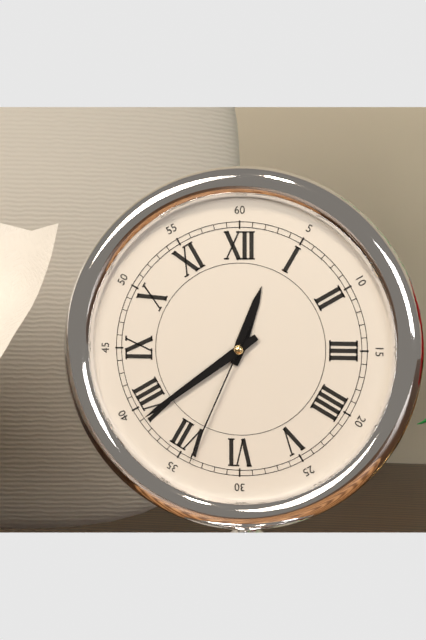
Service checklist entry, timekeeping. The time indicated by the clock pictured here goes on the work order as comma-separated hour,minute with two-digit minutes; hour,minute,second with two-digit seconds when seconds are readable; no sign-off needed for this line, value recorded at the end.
12,39,34
